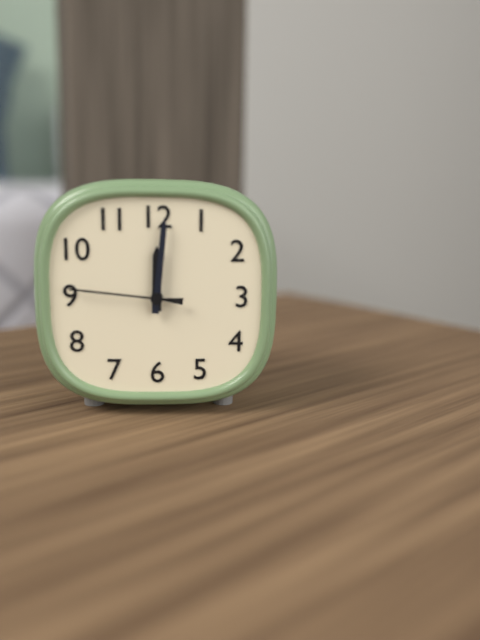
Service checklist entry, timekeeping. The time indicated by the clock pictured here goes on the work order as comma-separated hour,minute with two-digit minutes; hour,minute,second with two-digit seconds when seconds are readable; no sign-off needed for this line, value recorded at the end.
12,01,46
